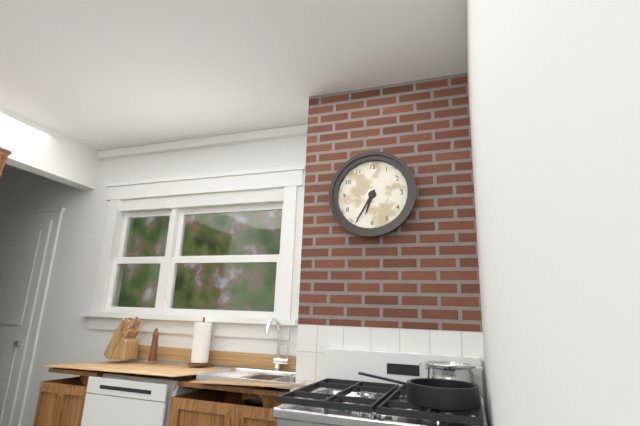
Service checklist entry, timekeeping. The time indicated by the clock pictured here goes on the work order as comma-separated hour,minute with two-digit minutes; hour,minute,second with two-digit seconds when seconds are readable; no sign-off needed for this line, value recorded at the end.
6,35
